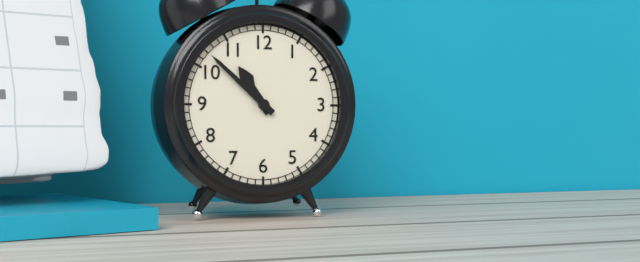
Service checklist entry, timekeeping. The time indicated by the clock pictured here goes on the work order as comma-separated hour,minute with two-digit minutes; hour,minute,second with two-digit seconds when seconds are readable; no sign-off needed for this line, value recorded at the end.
10,52
